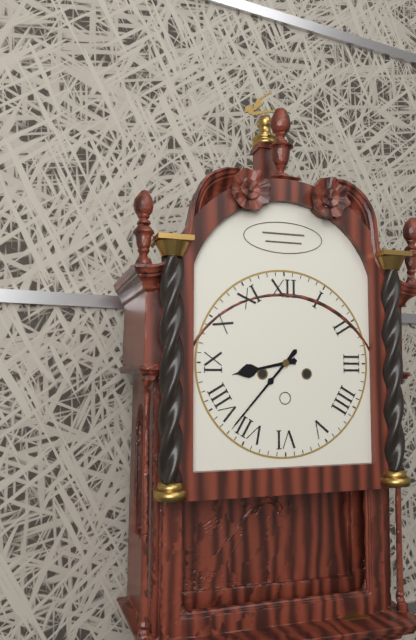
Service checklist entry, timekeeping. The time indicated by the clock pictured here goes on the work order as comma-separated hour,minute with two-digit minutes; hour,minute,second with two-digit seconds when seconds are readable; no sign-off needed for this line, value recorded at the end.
8,37
